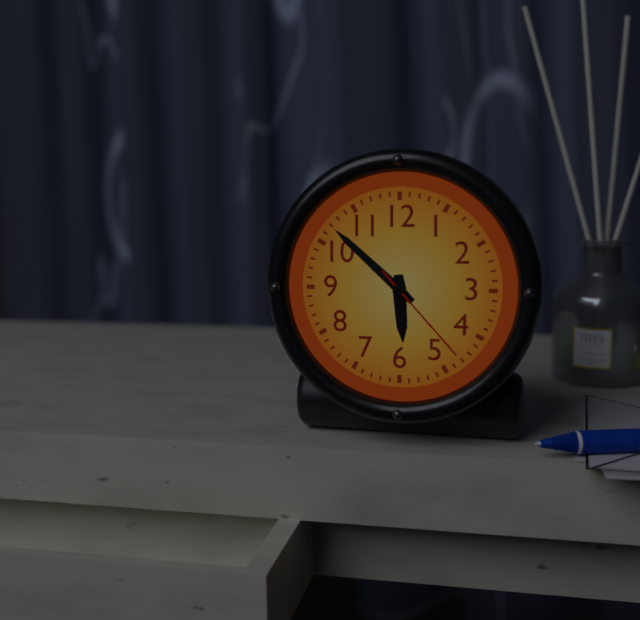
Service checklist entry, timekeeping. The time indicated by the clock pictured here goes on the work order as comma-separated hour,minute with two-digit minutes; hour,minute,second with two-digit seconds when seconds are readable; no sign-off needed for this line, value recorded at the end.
5,52,23
